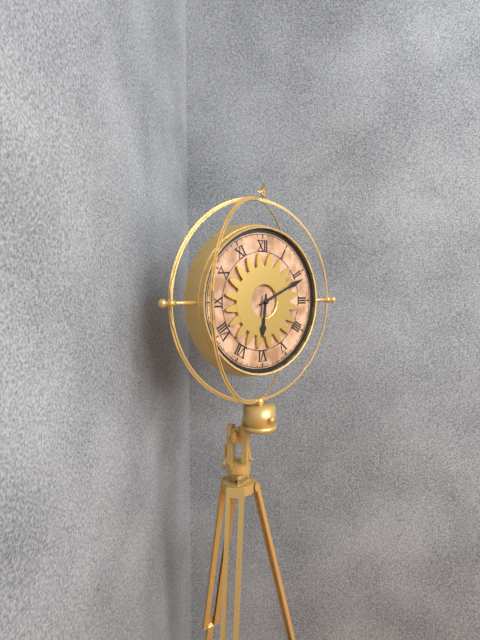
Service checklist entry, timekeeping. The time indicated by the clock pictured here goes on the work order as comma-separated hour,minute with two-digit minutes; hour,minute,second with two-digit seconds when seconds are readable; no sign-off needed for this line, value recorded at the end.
6,11
